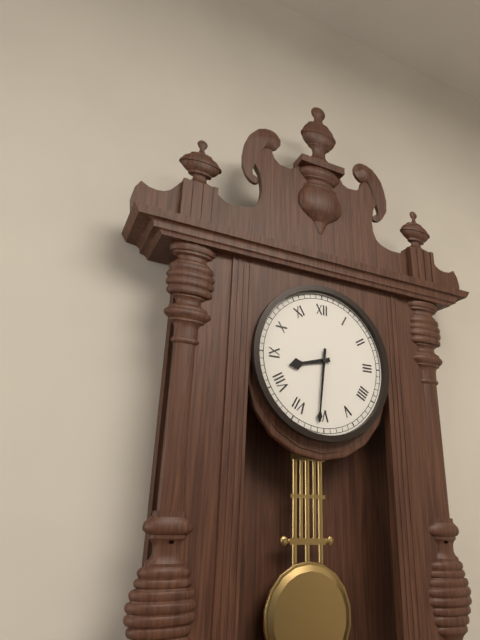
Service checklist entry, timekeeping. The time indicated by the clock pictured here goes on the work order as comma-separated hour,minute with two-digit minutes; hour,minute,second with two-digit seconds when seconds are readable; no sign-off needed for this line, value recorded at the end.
8,31
